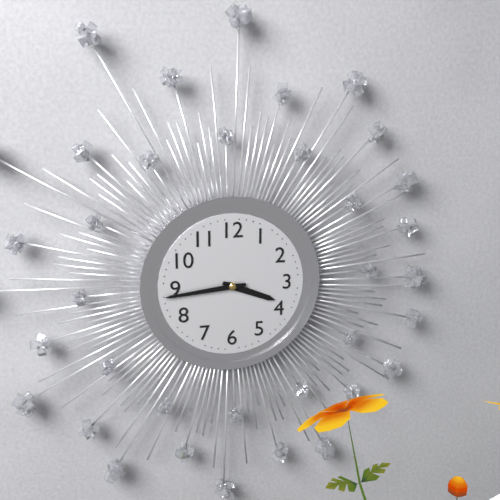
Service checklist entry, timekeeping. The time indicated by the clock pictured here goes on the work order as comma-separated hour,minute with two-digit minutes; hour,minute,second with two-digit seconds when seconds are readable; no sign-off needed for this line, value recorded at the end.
3,44
